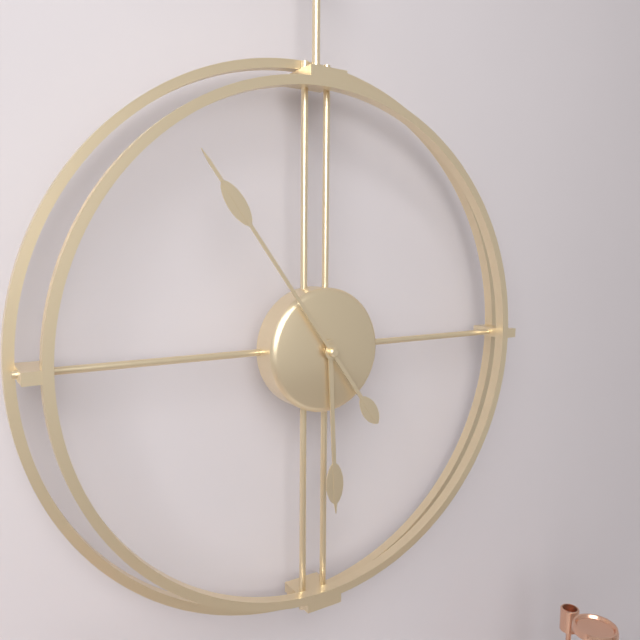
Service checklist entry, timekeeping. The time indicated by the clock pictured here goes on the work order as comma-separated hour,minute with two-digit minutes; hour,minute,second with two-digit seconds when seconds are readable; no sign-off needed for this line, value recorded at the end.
5,54
